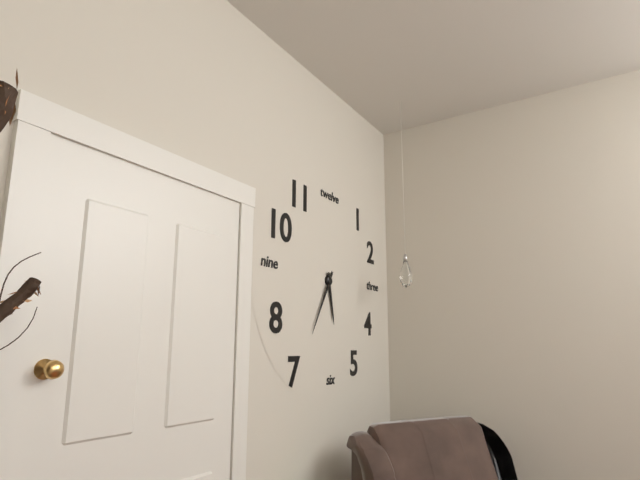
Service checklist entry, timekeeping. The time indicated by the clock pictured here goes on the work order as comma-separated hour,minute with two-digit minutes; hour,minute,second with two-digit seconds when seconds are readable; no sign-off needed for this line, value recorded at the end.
5,35
